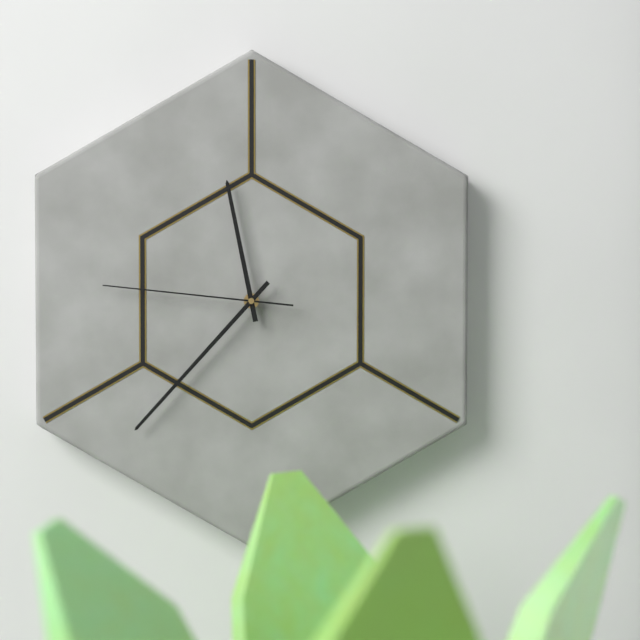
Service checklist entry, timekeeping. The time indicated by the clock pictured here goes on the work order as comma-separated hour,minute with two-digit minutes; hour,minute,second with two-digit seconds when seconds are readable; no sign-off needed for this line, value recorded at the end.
11,37,46
